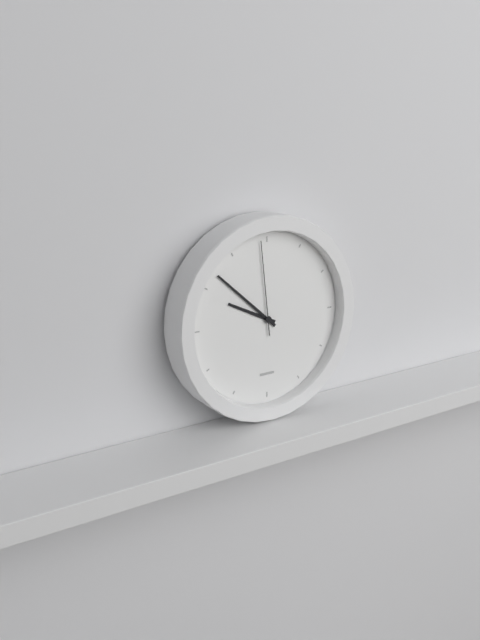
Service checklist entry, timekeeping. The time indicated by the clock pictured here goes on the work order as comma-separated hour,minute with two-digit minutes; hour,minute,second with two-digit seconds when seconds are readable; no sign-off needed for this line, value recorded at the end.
9,52,59
